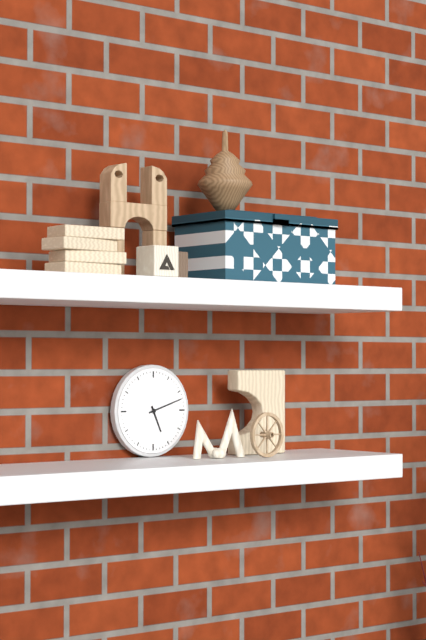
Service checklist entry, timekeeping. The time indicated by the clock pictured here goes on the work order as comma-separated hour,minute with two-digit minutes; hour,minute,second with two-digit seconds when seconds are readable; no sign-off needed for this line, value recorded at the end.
5,12
